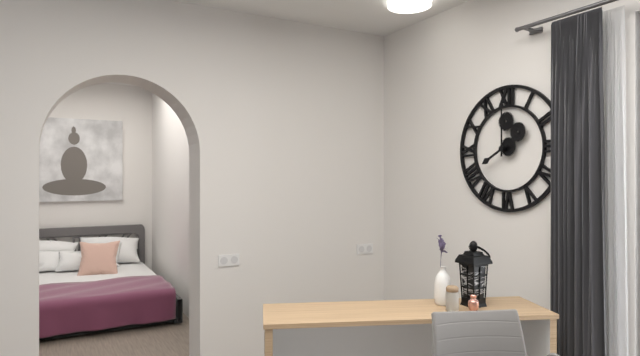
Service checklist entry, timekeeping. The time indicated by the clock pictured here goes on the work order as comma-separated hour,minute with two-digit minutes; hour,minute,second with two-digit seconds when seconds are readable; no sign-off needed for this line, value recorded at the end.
8,00
